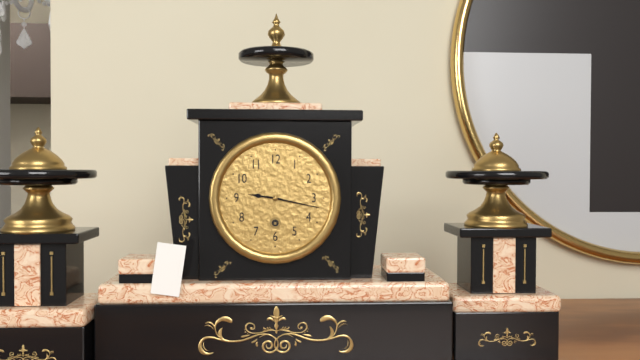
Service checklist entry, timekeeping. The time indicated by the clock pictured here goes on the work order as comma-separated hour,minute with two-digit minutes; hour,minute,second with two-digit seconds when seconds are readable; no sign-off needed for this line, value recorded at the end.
9,17
